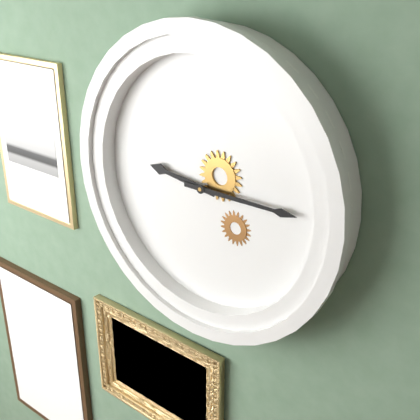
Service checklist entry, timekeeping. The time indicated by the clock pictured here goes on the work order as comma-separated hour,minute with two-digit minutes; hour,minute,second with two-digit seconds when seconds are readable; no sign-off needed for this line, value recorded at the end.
9,15
